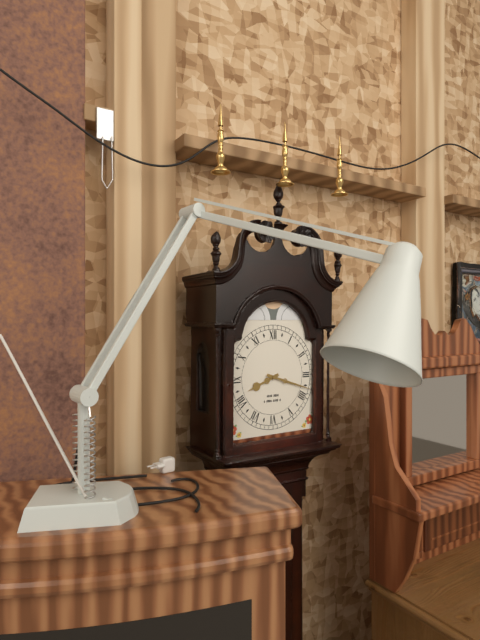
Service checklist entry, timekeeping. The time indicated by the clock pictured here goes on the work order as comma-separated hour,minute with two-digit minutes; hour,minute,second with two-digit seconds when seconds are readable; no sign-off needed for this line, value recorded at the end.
8,18
